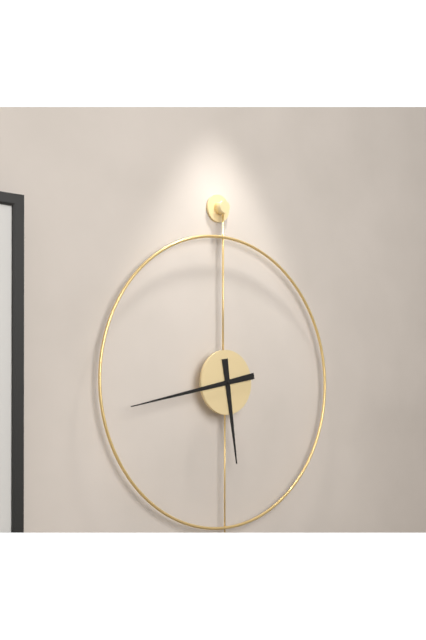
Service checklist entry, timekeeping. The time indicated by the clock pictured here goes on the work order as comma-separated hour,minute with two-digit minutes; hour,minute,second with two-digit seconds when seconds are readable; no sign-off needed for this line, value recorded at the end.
5,43
